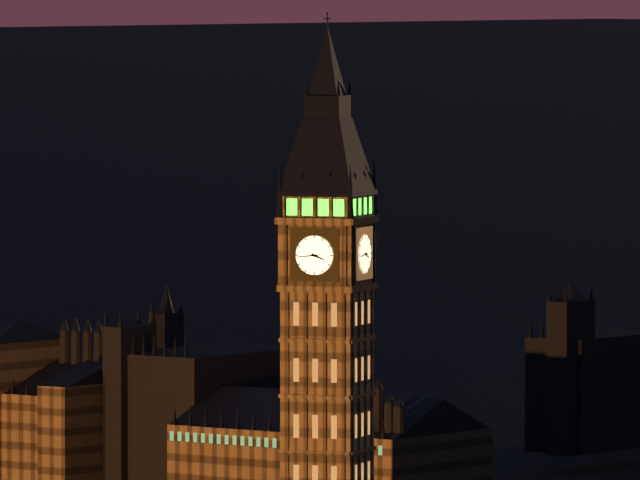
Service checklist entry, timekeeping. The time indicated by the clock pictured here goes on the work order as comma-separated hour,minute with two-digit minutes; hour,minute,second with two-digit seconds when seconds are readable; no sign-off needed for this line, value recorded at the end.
3,44
